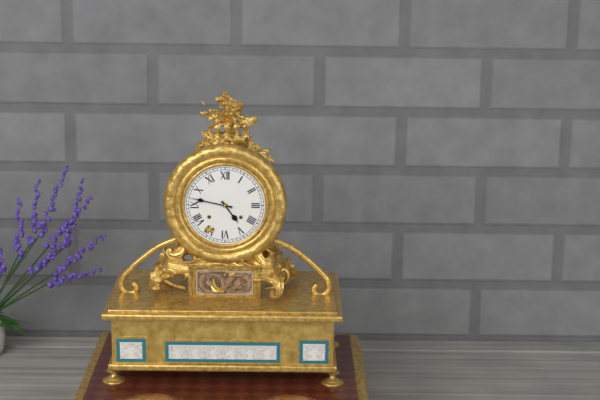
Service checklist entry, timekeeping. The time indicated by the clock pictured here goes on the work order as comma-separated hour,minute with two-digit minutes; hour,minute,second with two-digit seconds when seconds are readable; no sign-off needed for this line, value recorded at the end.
4,47
